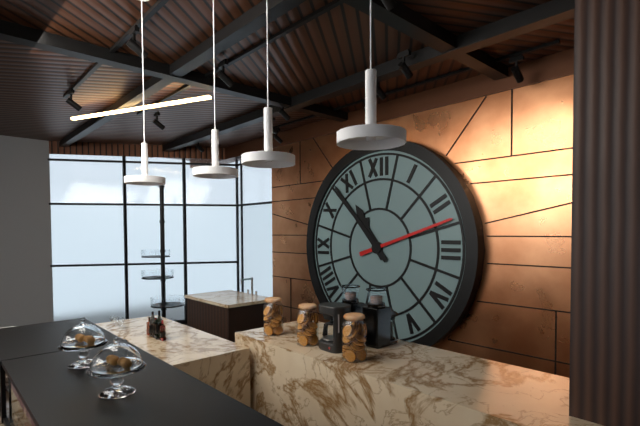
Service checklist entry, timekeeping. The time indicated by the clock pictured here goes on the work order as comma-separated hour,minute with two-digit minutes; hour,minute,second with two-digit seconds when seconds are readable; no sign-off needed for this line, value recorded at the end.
10,53,12
